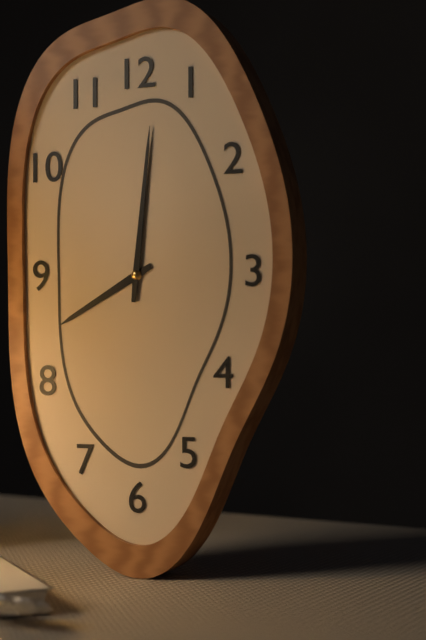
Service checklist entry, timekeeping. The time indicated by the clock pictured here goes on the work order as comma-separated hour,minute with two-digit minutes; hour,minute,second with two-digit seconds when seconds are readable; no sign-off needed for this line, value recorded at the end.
8,01
